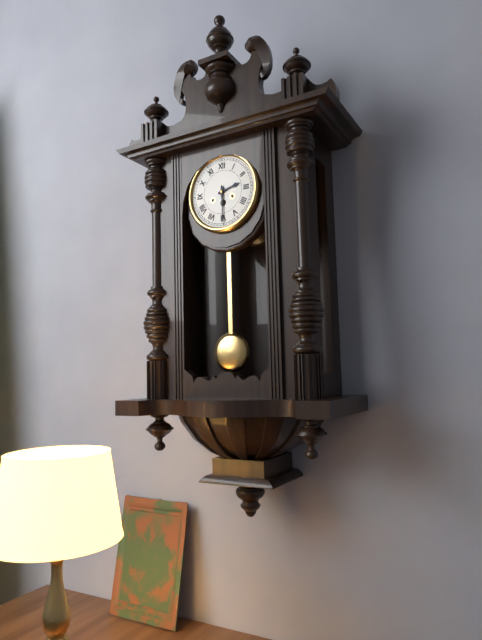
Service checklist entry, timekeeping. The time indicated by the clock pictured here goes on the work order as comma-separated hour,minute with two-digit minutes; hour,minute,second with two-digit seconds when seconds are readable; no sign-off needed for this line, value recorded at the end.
2,30
